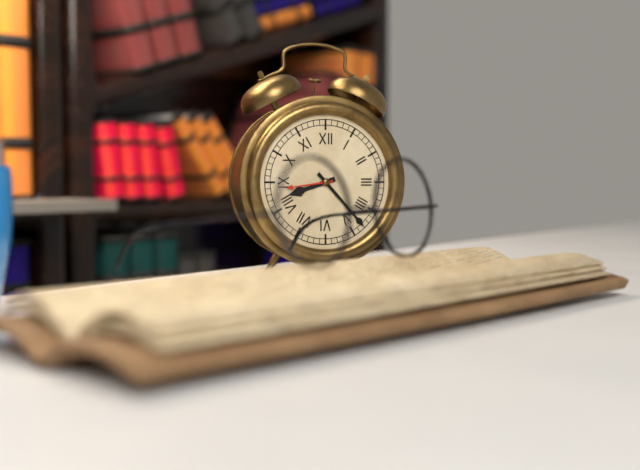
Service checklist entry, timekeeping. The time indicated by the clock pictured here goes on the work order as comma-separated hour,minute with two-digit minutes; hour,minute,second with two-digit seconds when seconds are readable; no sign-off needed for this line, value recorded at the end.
8,23
